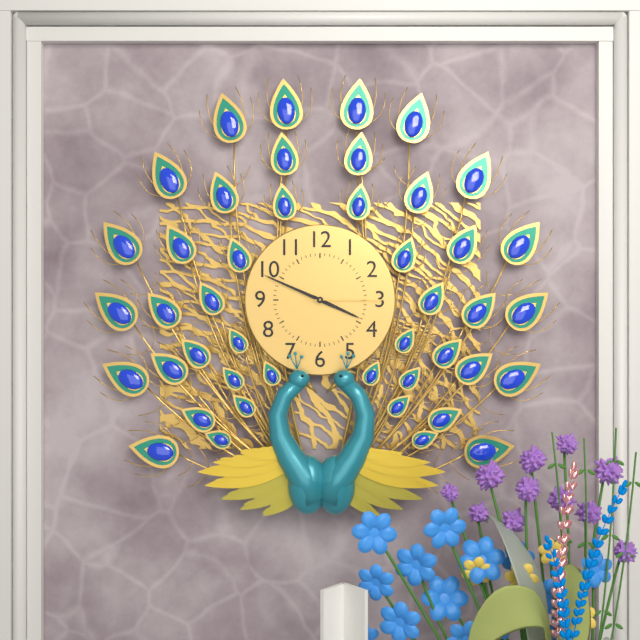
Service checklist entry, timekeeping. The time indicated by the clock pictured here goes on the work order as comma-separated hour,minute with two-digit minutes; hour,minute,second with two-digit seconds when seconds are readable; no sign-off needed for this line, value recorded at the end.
3,49,15
